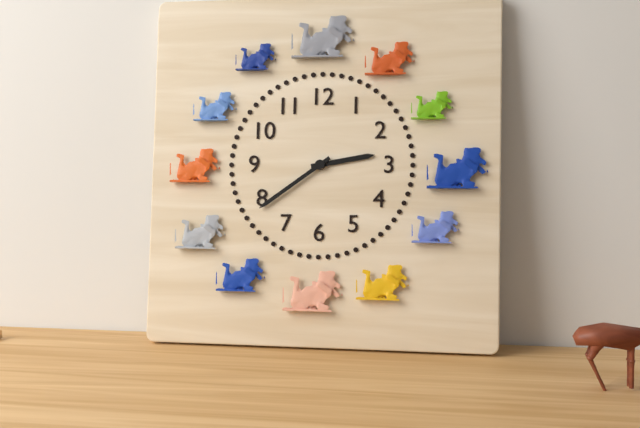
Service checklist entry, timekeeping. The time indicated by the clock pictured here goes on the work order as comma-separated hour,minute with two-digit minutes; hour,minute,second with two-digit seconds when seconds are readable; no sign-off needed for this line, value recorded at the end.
2,39
